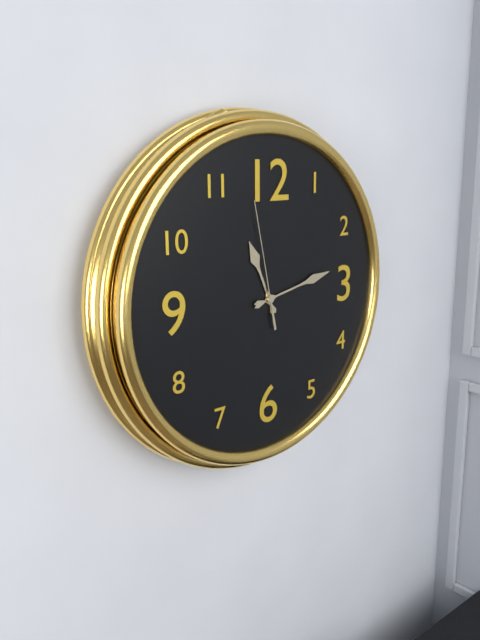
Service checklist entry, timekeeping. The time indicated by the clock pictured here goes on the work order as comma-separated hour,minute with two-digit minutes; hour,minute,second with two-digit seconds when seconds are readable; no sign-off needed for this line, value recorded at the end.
11,13,58
